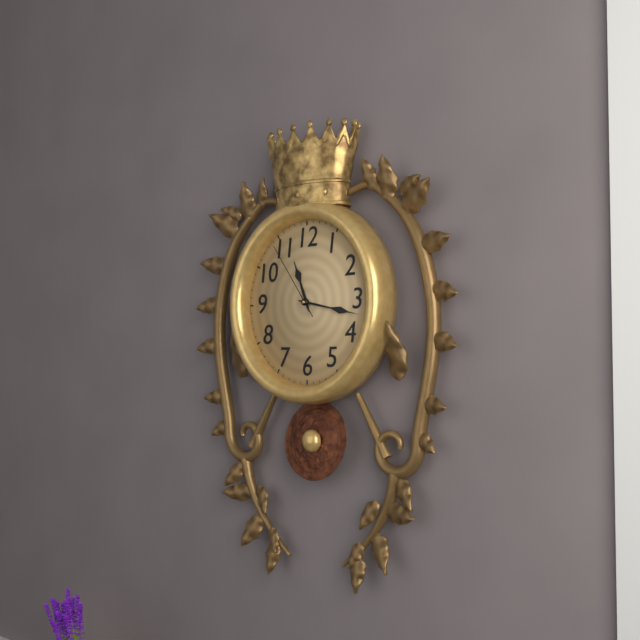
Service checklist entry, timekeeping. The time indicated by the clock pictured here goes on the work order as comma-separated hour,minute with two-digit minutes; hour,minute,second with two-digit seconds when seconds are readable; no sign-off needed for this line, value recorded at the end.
11,17,54
